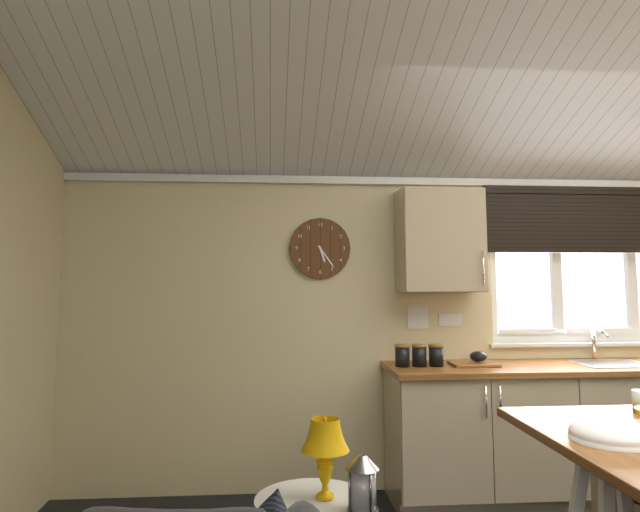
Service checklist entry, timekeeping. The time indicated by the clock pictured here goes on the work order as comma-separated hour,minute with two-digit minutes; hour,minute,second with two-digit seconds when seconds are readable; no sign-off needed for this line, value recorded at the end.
5,24
